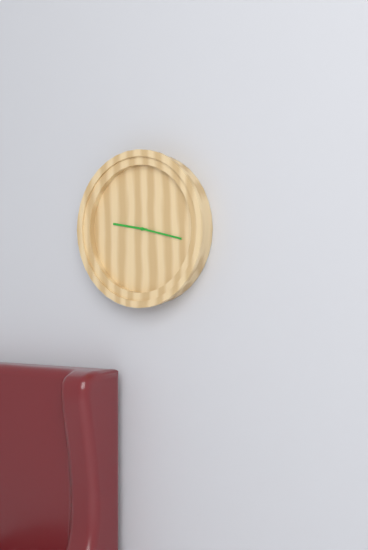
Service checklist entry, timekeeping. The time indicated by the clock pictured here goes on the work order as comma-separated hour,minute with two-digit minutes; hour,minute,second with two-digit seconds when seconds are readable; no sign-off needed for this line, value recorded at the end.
9,17
